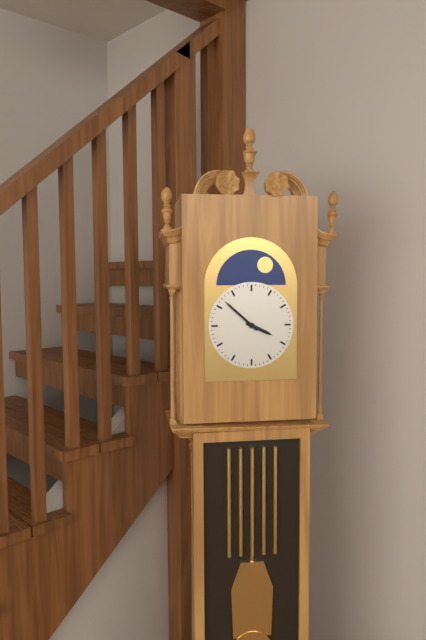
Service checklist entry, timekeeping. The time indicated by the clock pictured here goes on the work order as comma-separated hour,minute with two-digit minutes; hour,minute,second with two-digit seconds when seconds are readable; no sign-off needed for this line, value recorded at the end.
3,52
